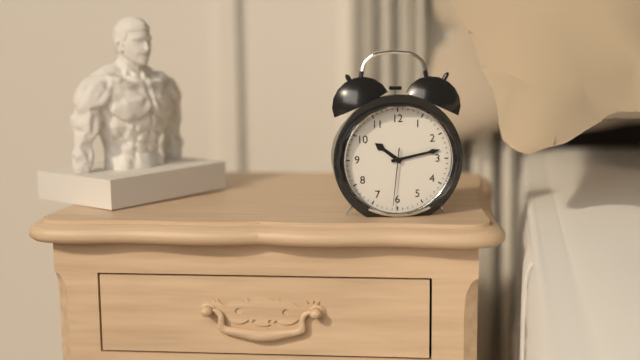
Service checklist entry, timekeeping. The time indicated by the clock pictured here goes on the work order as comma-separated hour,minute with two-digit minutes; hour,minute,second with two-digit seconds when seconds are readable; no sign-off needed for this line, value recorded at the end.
10,13,31
